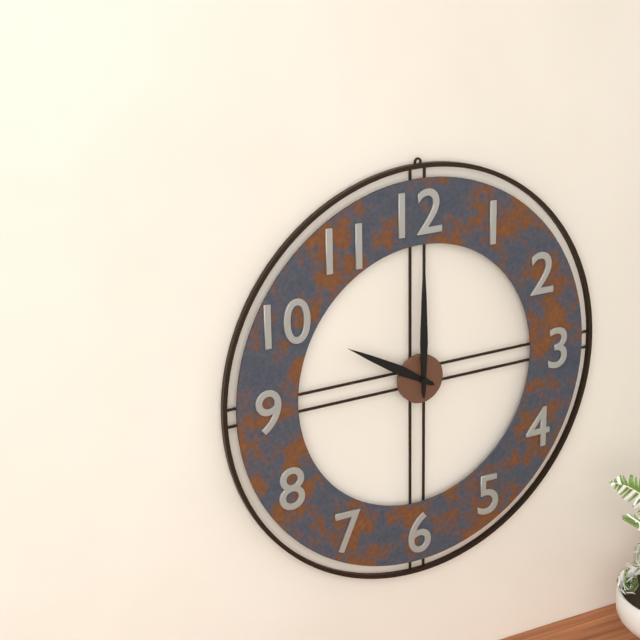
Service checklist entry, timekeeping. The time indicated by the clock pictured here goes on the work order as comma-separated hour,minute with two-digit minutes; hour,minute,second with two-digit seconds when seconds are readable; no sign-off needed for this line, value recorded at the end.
10,00
